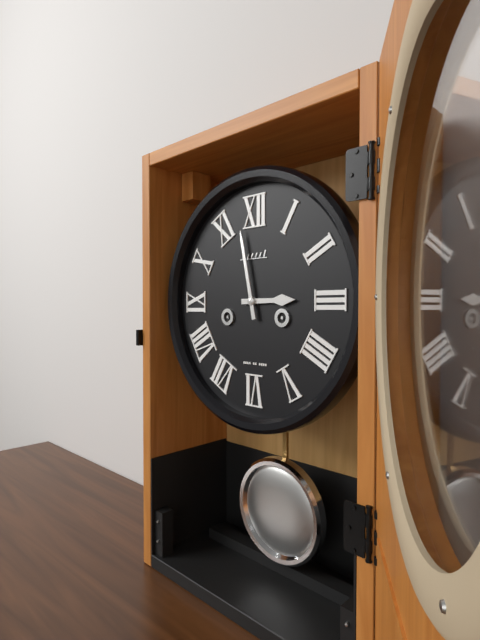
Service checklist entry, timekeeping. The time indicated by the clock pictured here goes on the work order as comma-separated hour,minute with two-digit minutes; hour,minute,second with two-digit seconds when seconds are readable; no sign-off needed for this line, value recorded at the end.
2,58
